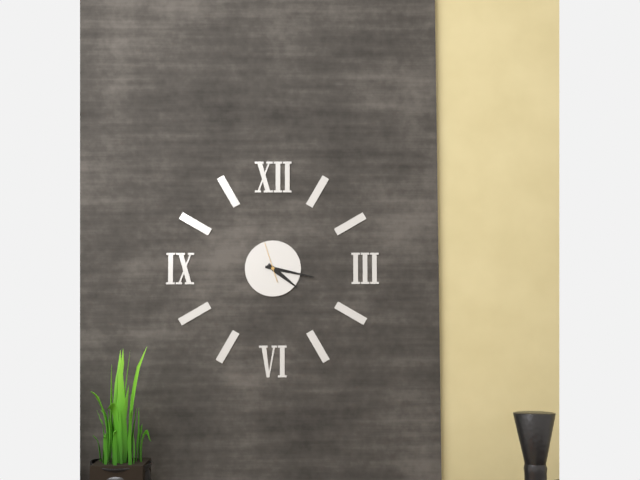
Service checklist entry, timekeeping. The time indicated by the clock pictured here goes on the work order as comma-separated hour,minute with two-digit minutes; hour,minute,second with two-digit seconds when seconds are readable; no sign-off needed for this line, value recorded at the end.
4,17
